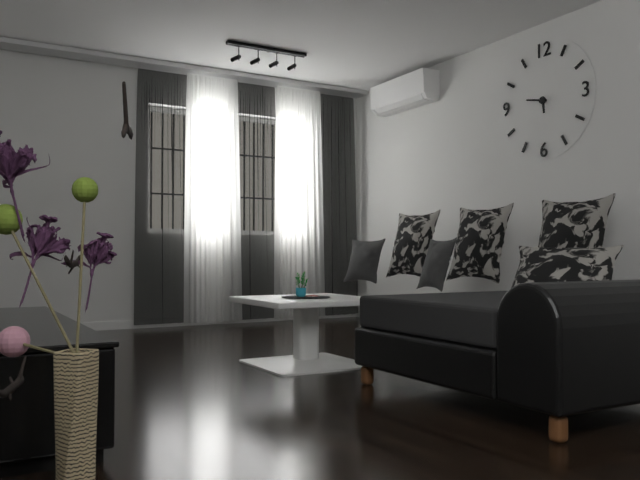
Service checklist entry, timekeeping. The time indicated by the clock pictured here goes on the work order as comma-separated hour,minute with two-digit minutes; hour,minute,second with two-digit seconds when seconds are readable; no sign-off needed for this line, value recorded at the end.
5,47
